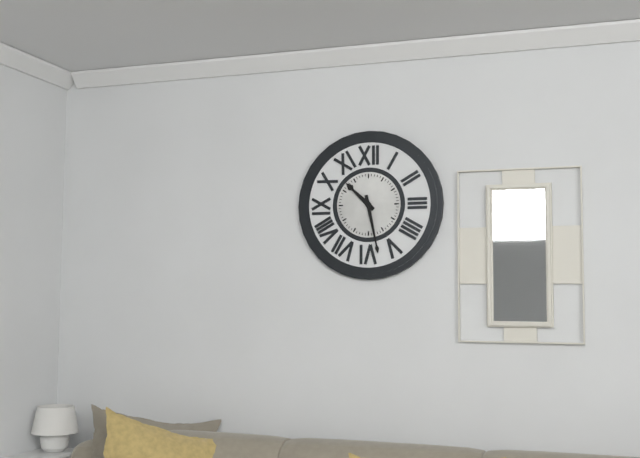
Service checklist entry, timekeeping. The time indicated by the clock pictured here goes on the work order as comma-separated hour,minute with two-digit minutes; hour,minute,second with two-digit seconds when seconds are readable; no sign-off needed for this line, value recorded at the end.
10,28
